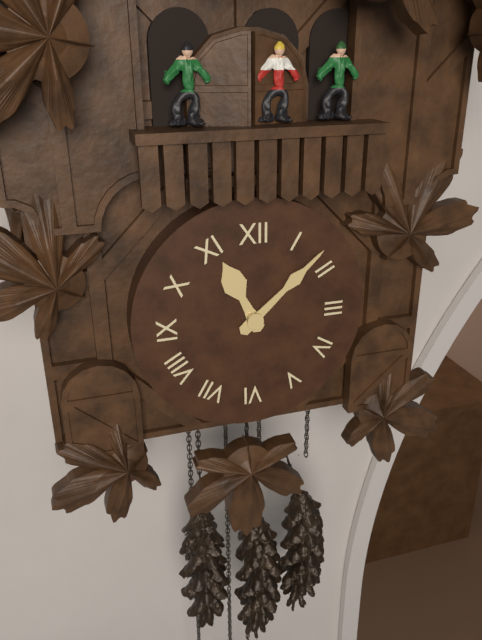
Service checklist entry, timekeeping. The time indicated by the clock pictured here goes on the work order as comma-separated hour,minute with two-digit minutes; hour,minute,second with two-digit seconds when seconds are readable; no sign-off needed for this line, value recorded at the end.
11,08
